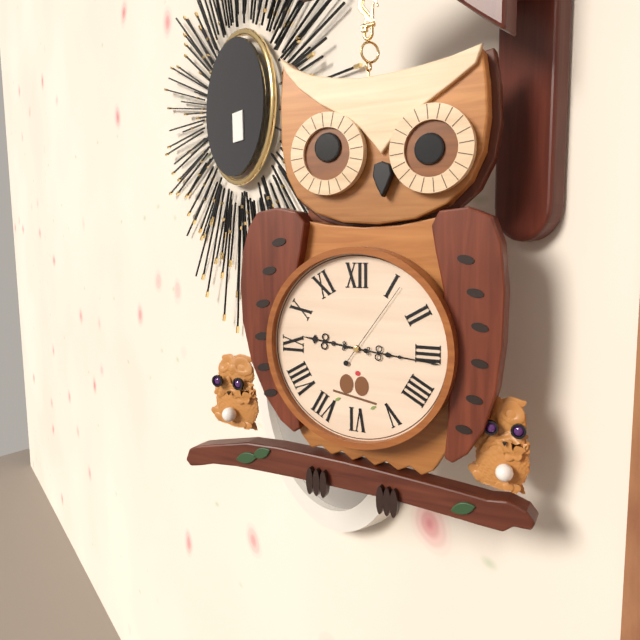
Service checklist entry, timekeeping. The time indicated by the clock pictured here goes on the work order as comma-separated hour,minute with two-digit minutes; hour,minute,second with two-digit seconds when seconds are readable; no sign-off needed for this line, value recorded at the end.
9,16,06
